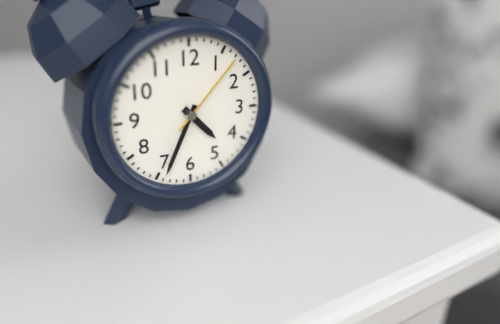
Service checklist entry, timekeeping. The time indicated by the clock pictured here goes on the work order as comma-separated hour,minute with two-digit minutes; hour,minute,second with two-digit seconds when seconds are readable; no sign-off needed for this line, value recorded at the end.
4,34,07
